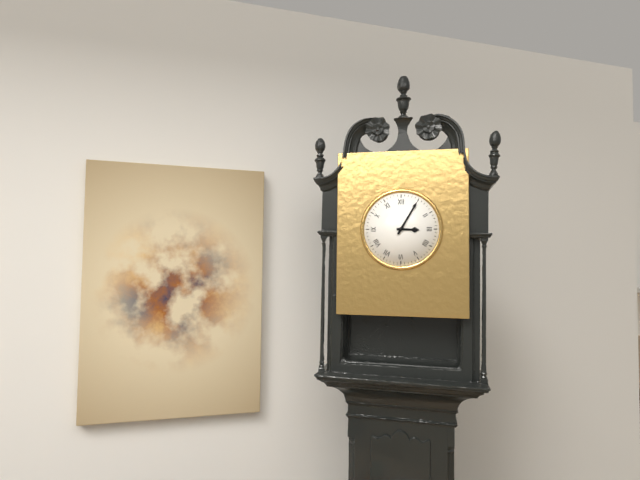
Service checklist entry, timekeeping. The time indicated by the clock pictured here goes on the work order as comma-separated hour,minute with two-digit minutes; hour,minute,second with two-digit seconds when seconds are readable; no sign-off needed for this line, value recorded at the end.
3,05
